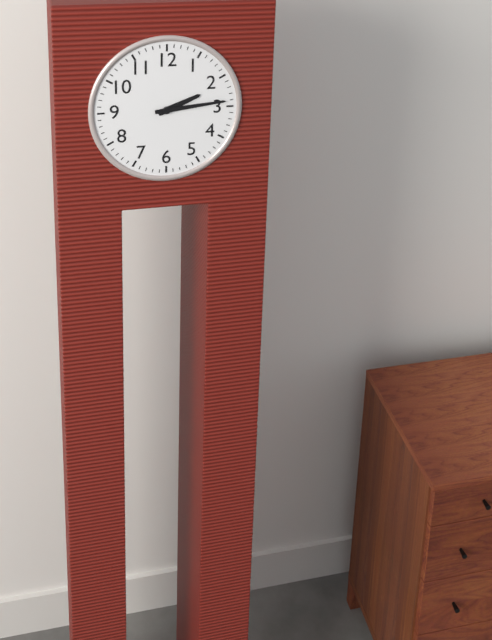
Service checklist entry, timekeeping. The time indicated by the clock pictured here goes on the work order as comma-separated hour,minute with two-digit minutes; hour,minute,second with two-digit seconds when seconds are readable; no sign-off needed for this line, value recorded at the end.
2,14
